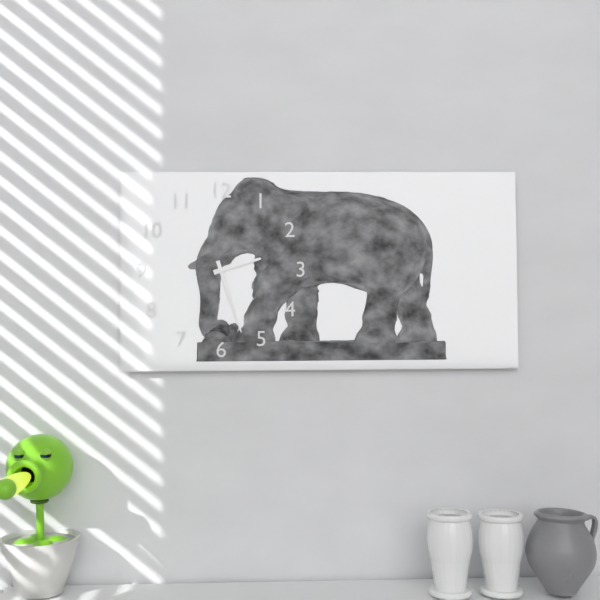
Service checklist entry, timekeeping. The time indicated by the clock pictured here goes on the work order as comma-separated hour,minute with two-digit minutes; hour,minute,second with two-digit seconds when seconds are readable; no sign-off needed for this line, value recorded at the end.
2,27
